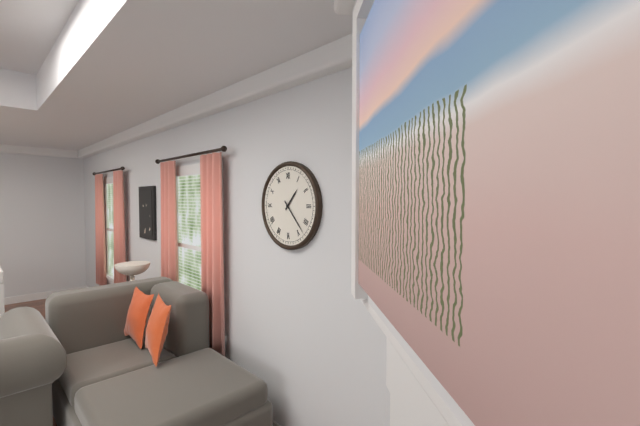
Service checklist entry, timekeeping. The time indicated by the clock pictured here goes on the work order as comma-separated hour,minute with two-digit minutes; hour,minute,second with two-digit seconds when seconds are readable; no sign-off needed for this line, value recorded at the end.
1,23
